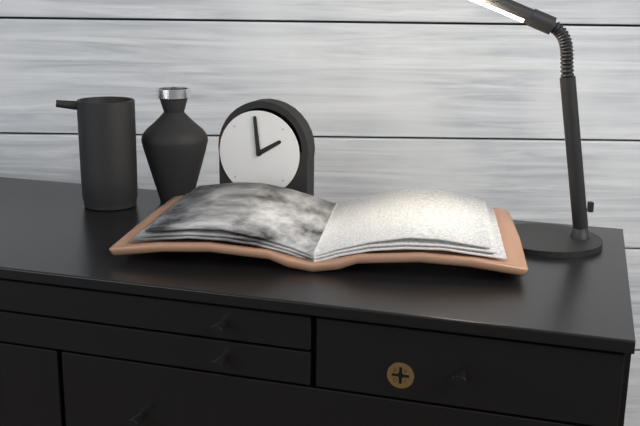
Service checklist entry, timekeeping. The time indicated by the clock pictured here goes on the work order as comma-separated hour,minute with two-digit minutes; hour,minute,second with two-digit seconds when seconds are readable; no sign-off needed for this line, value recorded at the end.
1,59
